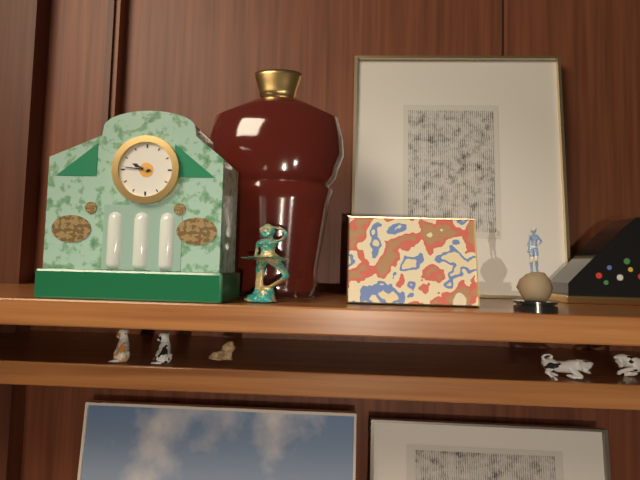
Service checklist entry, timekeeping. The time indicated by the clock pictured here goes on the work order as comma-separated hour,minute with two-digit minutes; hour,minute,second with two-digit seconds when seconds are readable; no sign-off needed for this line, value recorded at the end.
9,46
